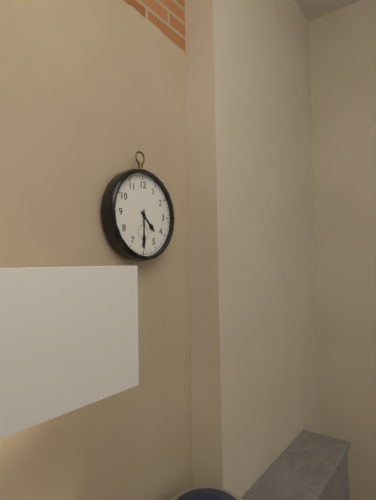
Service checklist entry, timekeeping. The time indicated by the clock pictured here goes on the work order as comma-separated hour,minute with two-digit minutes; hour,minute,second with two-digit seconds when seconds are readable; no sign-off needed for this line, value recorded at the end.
4,30
